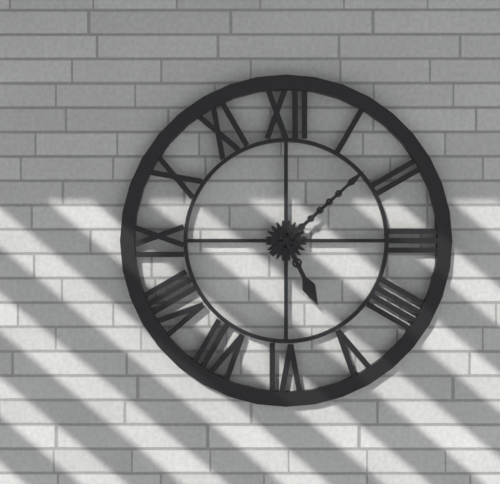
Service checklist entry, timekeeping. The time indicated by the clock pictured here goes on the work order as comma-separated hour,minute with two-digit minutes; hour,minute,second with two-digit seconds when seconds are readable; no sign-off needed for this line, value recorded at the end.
5,08
